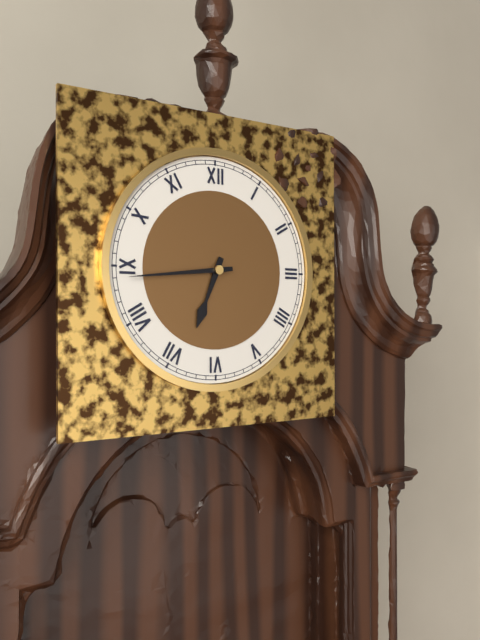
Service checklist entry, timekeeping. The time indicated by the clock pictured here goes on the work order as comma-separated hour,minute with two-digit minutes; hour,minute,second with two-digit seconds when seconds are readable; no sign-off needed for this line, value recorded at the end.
6,44
